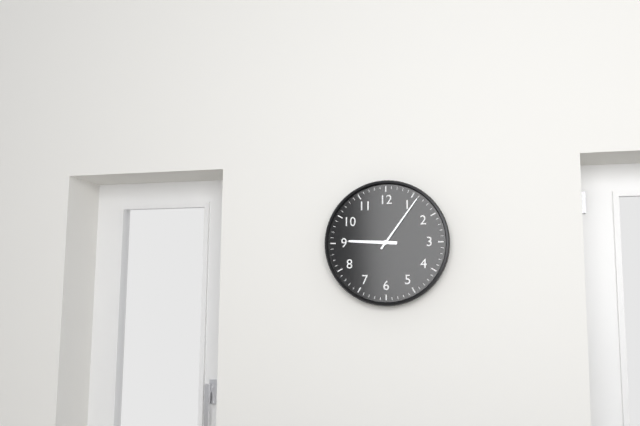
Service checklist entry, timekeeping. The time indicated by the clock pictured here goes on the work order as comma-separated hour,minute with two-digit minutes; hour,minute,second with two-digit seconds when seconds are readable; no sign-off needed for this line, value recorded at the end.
9,06
